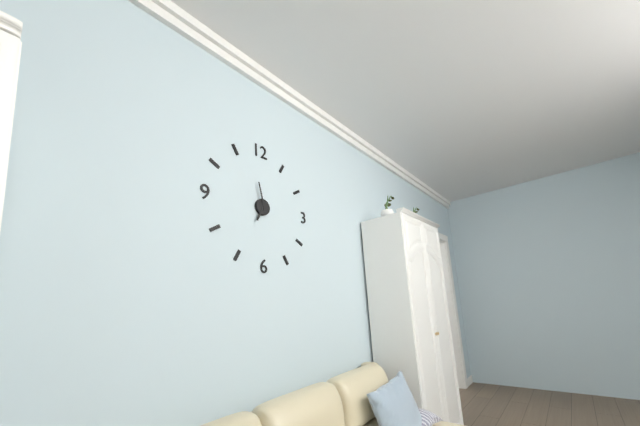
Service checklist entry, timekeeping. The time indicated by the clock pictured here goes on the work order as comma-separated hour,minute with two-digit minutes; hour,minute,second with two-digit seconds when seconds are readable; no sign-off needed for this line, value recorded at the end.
6,58
